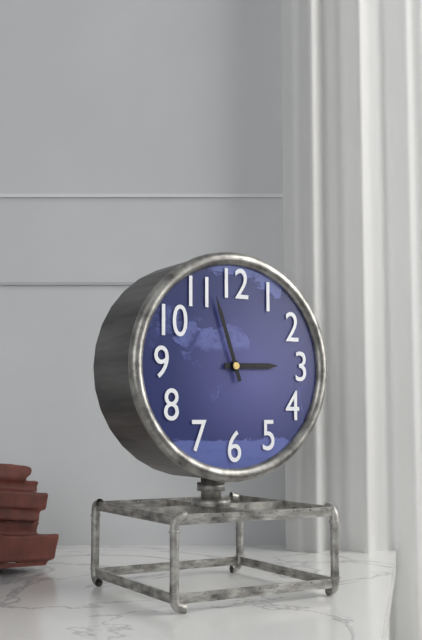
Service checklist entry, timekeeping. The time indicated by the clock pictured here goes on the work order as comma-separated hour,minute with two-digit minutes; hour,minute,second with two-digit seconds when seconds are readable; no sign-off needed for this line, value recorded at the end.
2,57
